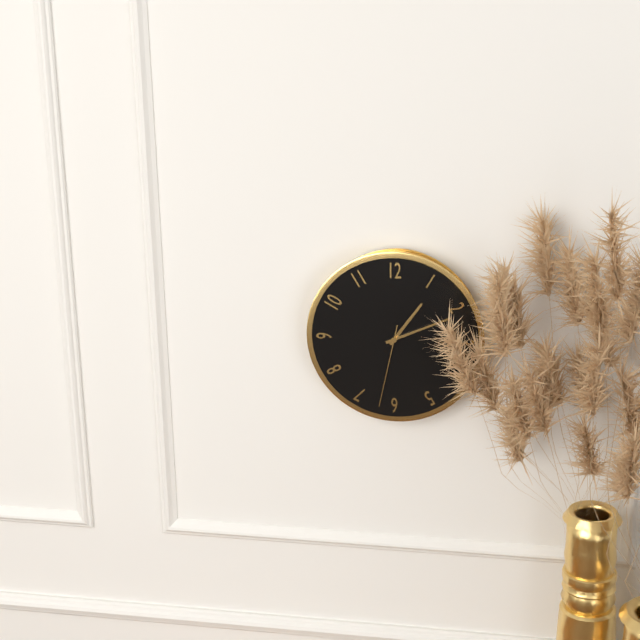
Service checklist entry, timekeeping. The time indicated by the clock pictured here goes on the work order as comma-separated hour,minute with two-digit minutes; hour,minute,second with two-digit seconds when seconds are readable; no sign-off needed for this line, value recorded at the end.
1,11,32
